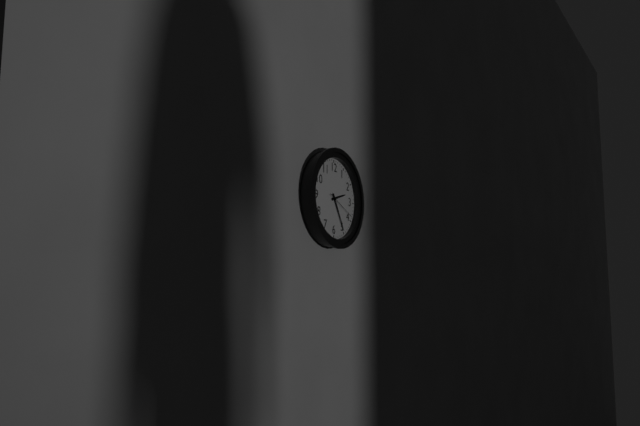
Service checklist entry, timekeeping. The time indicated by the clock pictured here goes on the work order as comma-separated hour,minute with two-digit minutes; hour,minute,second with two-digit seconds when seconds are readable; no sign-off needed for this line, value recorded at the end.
2,25
